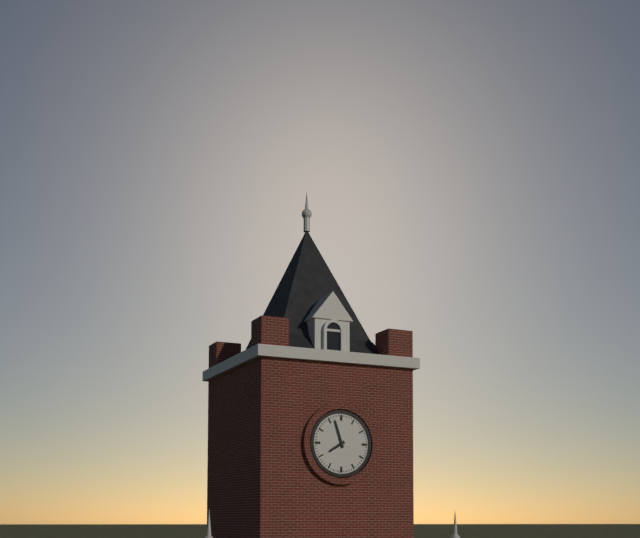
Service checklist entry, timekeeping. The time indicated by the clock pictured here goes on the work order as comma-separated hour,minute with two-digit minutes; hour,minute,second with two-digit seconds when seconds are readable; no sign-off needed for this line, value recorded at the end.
7,57
